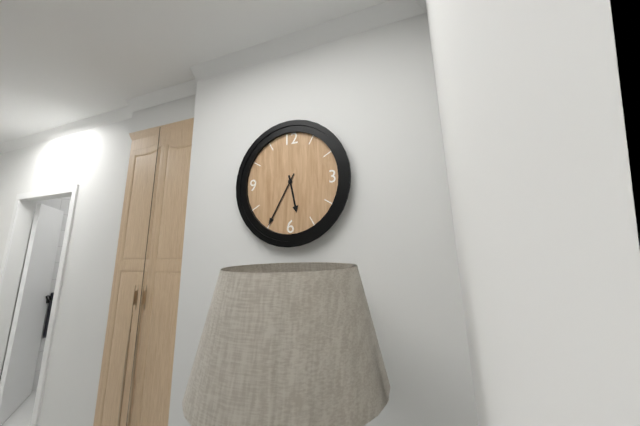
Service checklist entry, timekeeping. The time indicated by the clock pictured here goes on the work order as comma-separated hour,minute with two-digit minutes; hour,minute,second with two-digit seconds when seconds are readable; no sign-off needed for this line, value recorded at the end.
5,35
